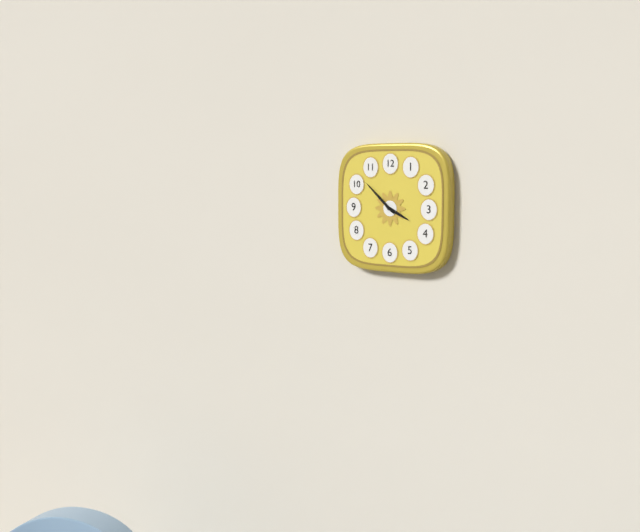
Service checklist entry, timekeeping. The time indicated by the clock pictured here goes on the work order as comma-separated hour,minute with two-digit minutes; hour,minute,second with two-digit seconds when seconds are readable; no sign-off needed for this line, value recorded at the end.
3,52
